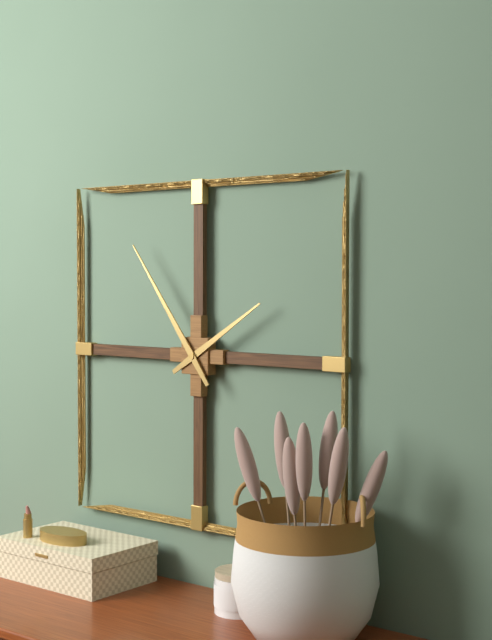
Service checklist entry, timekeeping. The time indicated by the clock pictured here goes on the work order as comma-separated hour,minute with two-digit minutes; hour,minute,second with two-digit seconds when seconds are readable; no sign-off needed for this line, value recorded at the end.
1,54
